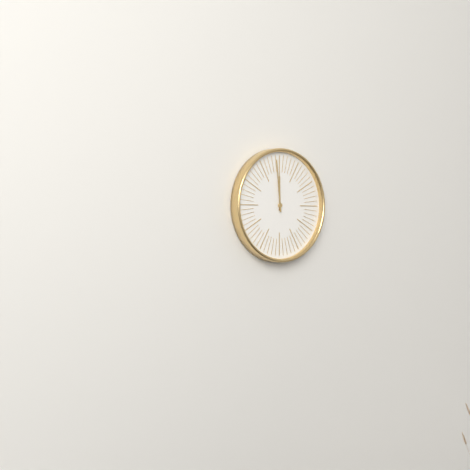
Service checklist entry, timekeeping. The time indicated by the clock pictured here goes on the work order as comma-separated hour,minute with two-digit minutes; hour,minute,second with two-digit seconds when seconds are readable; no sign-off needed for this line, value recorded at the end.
11,59
